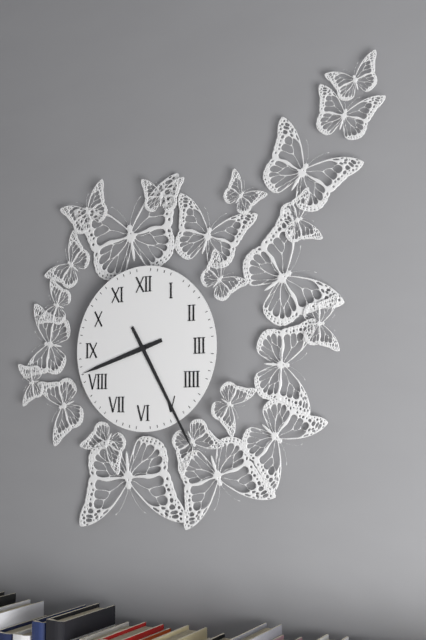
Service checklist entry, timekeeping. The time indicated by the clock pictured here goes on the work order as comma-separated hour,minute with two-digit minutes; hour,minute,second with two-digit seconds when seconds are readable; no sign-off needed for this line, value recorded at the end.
8,25
